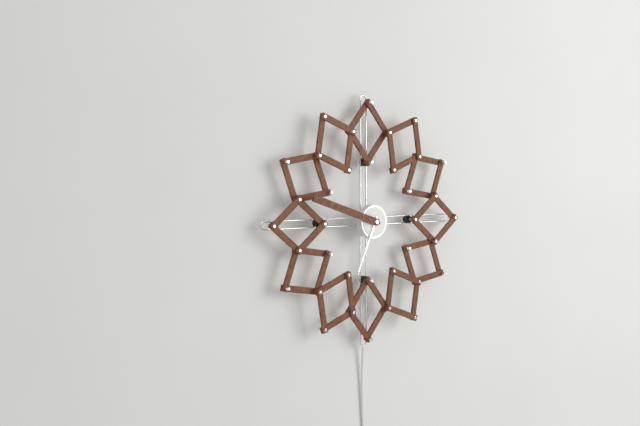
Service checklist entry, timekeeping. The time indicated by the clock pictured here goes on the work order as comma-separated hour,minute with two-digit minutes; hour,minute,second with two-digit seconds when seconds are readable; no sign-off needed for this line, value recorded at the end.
6,48
